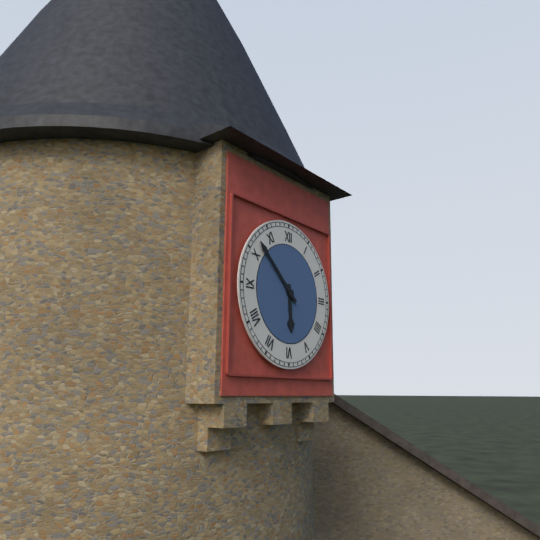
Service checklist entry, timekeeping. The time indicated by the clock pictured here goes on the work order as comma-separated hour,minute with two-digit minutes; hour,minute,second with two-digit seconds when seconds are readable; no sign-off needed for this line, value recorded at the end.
5,52
